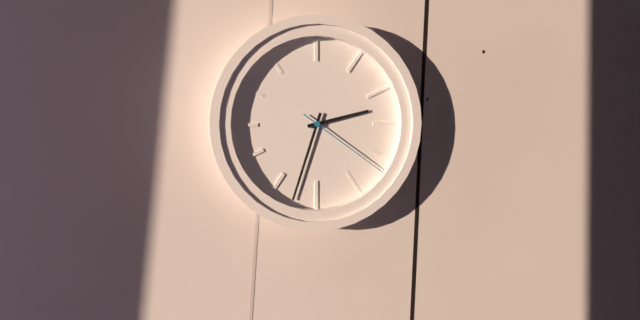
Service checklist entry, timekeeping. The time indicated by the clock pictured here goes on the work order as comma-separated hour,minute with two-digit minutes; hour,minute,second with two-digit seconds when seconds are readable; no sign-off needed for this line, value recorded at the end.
2,33,21
